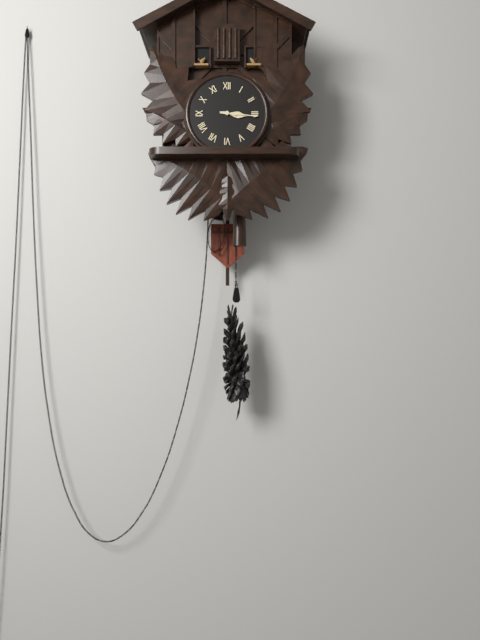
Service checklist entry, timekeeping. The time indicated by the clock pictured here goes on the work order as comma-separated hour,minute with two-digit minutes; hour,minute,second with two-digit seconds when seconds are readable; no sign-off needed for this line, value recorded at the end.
3,16
